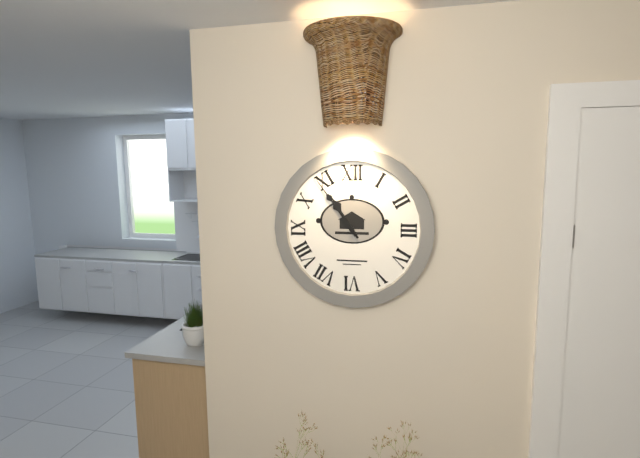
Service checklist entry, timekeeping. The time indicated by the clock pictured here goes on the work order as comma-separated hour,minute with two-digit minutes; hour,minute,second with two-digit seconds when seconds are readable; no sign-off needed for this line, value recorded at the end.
10,54
